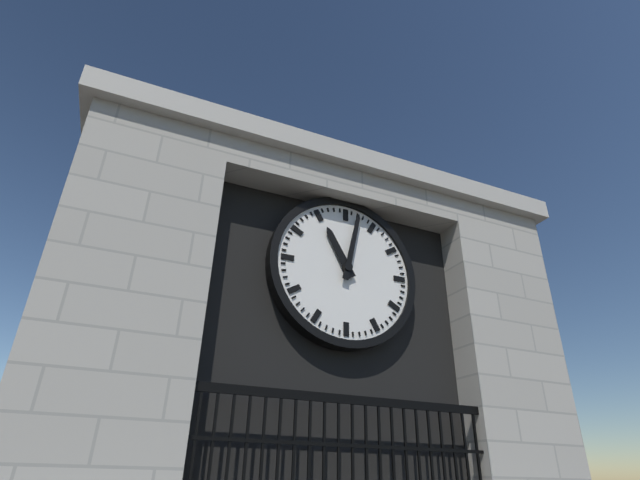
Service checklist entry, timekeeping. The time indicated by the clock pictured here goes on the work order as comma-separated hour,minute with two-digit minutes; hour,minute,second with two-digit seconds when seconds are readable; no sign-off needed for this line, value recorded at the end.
11,02
